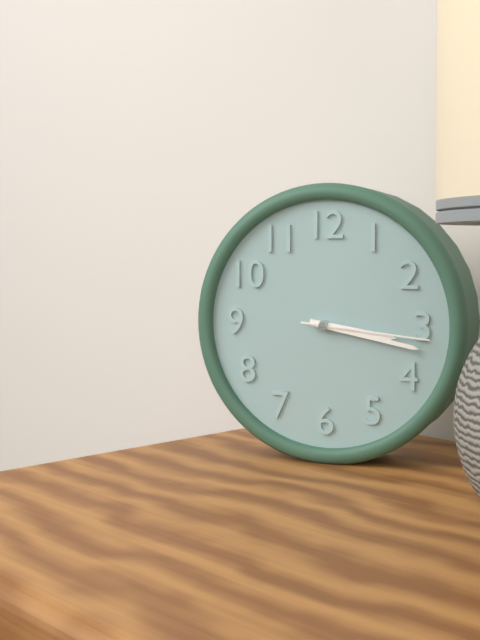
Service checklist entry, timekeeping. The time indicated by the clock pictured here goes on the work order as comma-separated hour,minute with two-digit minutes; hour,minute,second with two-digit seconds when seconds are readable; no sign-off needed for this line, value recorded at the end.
3,17,16
